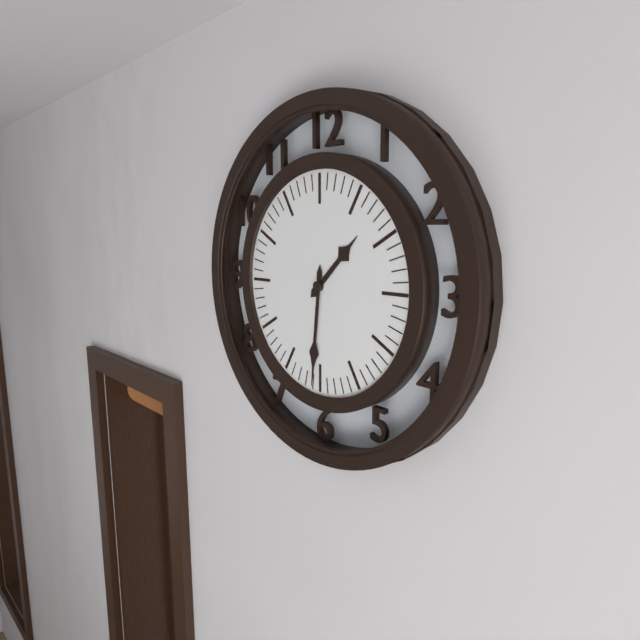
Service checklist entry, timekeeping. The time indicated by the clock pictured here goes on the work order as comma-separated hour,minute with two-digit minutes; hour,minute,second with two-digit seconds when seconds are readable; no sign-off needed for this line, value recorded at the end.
1,31
